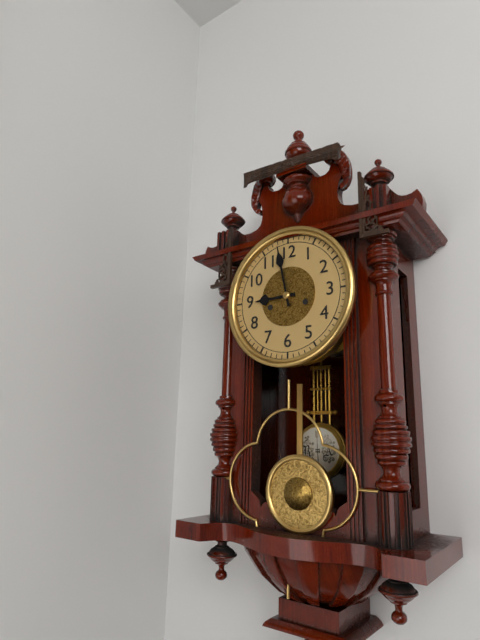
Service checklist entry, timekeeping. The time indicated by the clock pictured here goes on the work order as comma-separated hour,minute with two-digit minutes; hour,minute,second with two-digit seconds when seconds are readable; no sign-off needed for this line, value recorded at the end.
8,58
